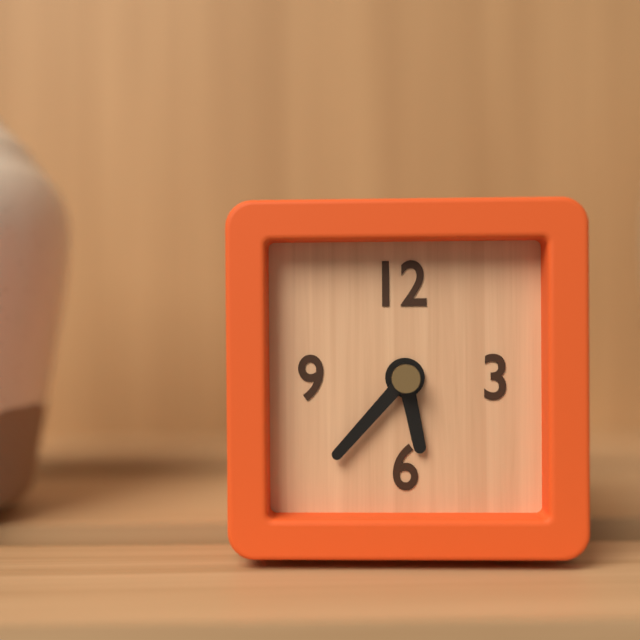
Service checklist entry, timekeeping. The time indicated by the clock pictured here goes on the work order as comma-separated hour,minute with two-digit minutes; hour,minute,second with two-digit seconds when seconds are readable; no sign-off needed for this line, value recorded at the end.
5,37
